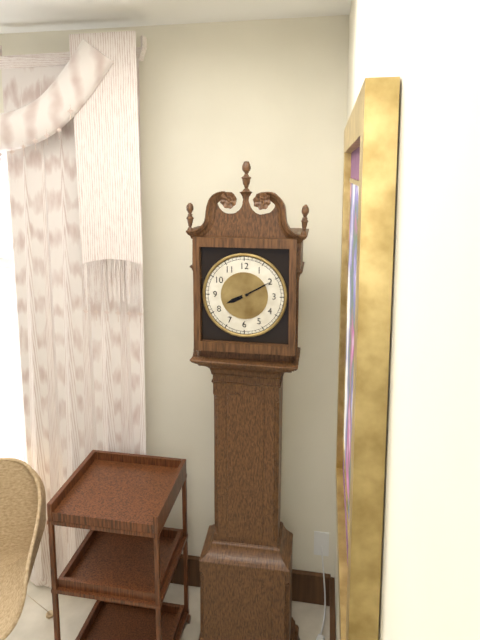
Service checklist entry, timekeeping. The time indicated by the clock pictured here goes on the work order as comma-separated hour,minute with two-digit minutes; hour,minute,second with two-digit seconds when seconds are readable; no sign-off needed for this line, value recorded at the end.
8,10
